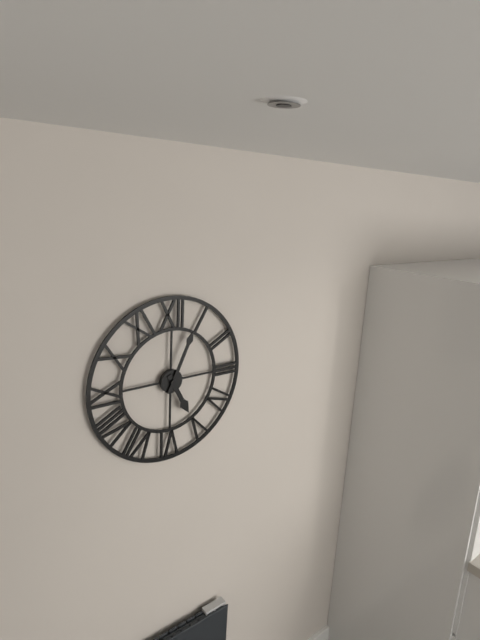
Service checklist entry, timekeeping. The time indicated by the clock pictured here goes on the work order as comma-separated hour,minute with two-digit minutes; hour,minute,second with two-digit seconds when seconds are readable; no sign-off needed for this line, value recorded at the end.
5,04
